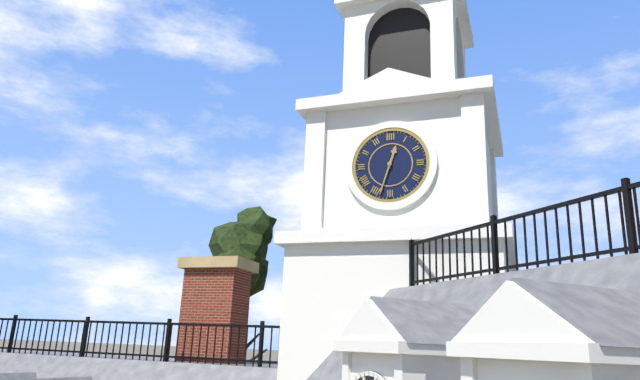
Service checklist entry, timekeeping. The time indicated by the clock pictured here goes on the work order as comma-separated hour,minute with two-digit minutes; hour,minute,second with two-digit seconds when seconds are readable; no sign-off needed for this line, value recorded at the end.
12,33
